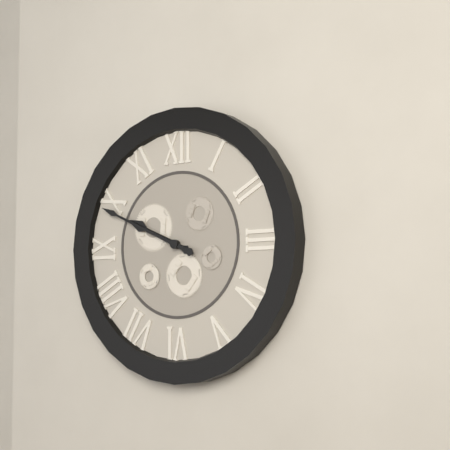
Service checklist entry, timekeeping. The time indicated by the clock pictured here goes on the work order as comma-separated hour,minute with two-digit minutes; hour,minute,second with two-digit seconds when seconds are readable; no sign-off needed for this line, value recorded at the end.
9,49
